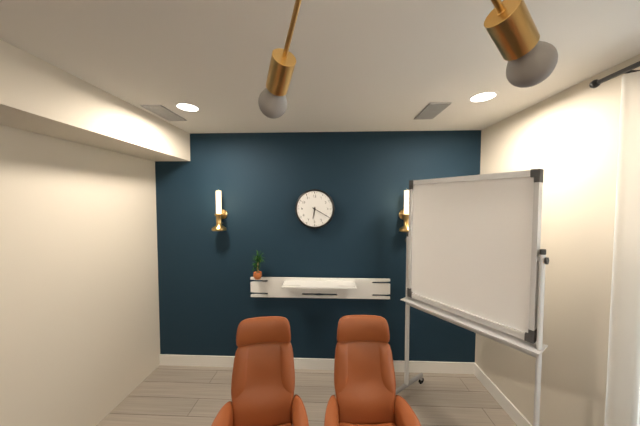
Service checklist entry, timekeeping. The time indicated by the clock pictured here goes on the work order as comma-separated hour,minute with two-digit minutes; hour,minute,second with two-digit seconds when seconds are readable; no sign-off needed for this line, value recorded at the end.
6,20
